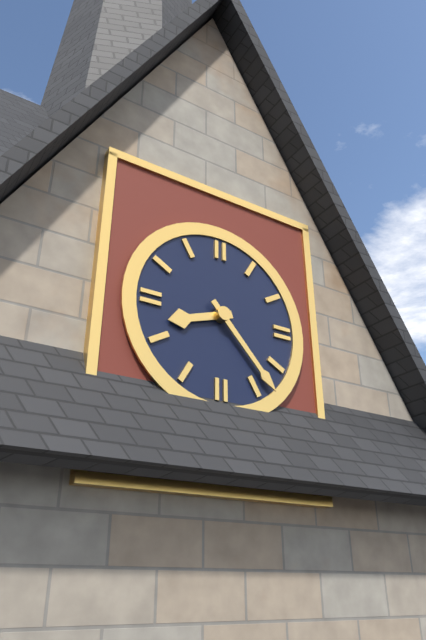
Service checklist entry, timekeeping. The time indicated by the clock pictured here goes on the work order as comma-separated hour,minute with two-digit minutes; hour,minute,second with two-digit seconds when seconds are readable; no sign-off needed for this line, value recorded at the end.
8,23
